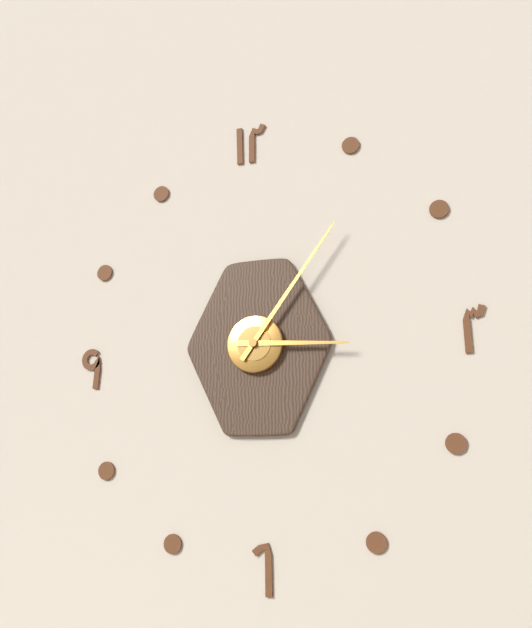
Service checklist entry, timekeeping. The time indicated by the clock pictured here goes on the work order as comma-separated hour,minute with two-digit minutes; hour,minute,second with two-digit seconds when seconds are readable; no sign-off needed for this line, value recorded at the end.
3,06
